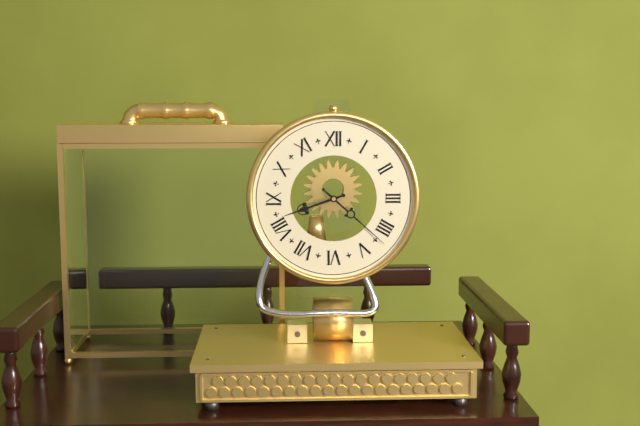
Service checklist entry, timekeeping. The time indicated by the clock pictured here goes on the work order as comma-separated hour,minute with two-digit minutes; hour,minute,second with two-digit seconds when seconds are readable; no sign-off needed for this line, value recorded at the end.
8,22
